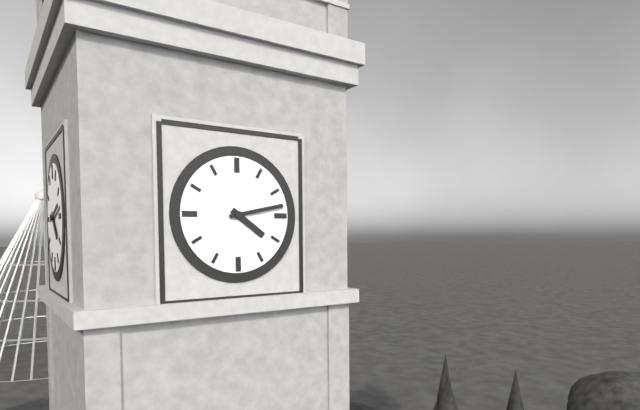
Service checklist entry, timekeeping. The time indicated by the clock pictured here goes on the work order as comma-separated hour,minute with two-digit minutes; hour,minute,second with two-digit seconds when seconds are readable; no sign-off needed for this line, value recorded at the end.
4,13
